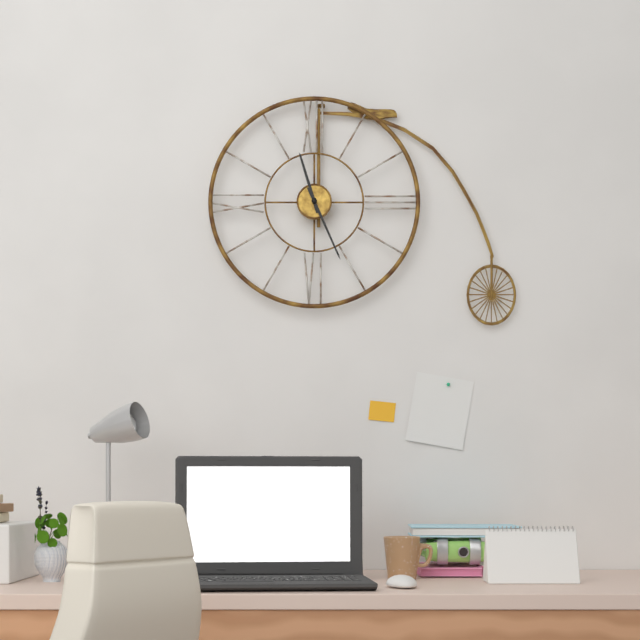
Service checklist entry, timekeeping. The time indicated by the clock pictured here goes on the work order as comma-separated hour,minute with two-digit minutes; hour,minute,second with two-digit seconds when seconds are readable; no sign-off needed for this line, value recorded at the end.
11,26
